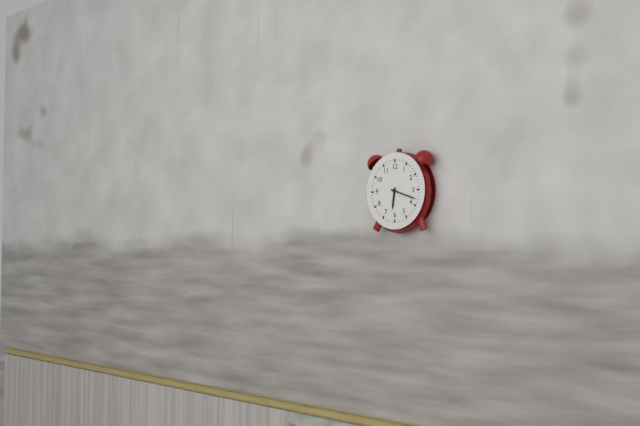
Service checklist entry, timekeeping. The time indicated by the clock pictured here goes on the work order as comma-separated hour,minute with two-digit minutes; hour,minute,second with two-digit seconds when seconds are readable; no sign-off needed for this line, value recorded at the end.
6,18
